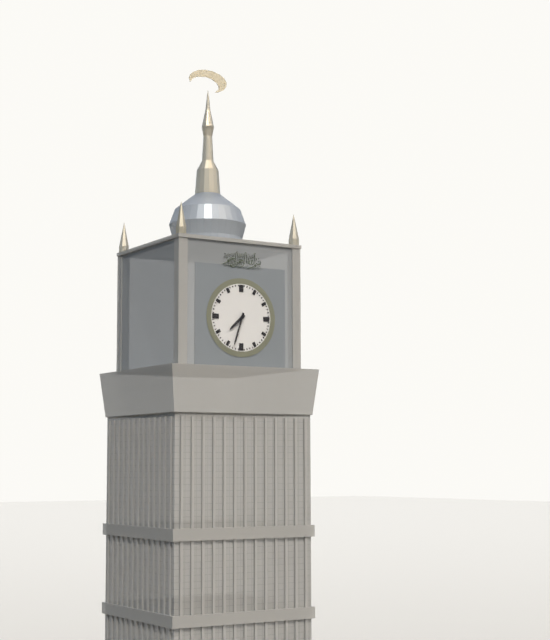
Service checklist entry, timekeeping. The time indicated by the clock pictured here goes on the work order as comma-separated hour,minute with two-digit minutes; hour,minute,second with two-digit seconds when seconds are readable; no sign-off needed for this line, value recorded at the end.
7,33
